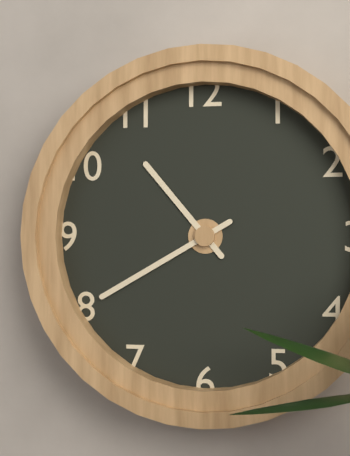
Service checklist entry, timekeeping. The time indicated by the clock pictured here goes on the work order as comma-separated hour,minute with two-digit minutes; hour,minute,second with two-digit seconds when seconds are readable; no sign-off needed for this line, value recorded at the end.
10,40
